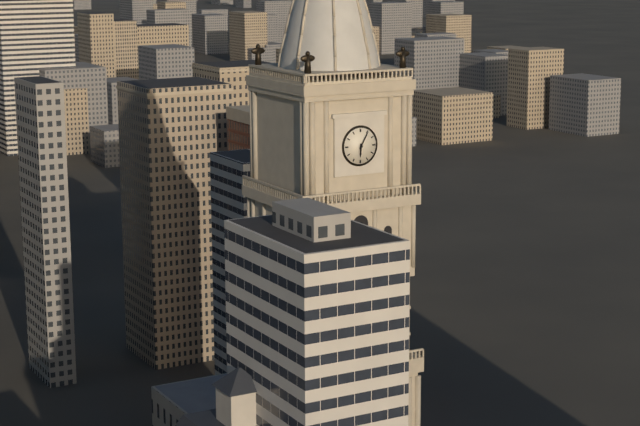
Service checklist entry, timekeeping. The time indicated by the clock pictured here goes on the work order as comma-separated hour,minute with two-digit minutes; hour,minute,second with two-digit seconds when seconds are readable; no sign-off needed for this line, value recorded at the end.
6,05
